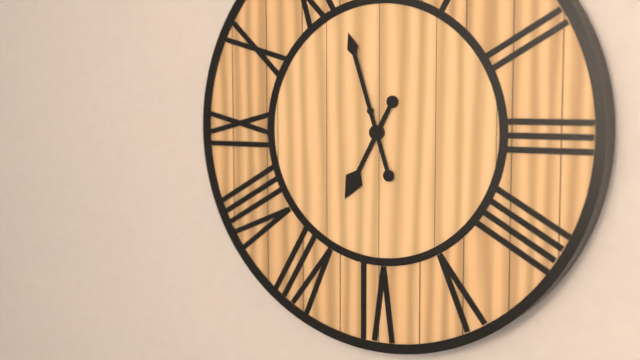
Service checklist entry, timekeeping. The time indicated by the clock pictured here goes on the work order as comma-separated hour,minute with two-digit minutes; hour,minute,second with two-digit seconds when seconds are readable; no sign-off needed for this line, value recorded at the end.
6,57
